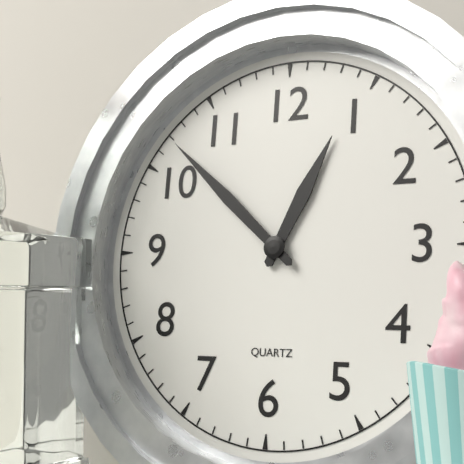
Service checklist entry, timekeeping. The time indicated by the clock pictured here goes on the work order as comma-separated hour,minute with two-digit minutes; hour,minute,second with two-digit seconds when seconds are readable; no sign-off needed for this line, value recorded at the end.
12,52
